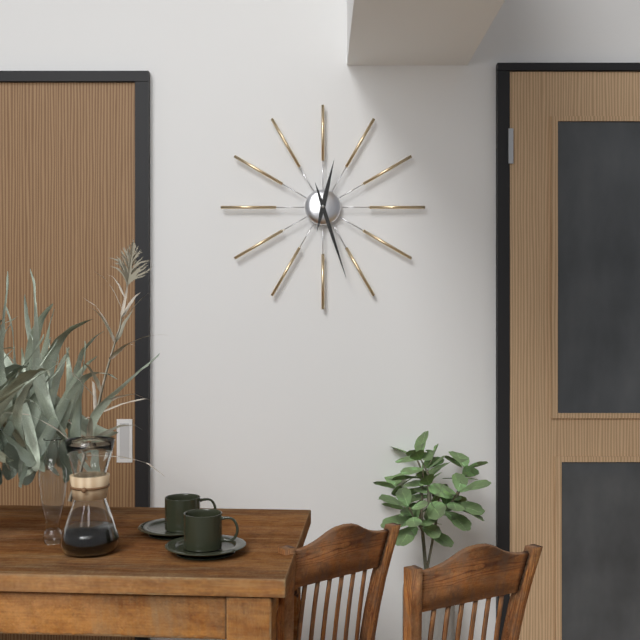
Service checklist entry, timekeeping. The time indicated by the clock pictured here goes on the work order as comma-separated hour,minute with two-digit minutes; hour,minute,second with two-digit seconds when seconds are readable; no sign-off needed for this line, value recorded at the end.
12,27
